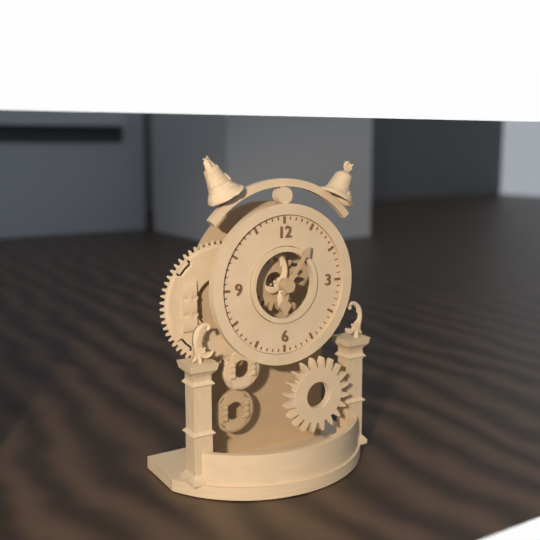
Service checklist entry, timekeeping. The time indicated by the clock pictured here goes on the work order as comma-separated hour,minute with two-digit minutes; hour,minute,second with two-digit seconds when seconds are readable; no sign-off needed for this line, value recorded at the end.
6,06
